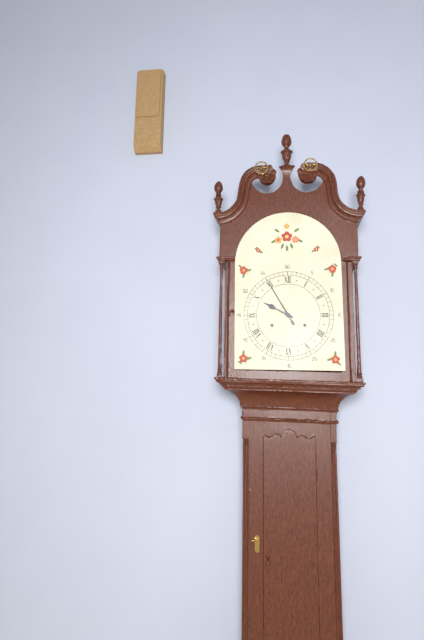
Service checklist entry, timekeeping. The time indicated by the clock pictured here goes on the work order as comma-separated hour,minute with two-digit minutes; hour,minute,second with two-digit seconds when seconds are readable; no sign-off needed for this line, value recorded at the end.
9,55
